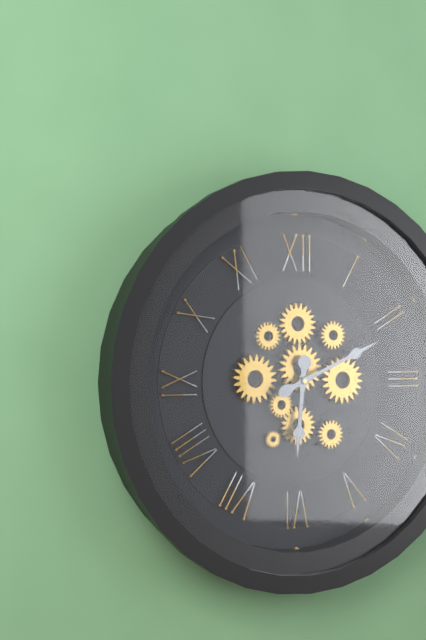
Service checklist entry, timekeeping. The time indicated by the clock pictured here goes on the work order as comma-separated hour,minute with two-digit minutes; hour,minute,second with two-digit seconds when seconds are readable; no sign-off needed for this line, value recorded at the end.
6,11
